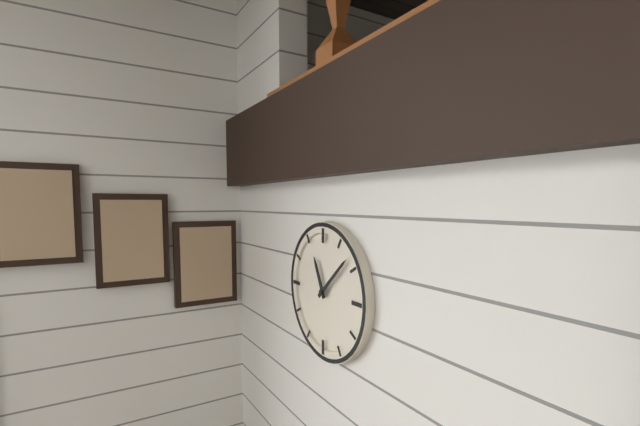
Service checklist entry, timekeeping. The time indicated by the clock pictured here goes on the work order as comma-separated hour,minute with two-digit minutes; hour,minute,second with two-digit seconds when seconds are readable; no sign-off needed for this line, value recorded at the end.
11,08
